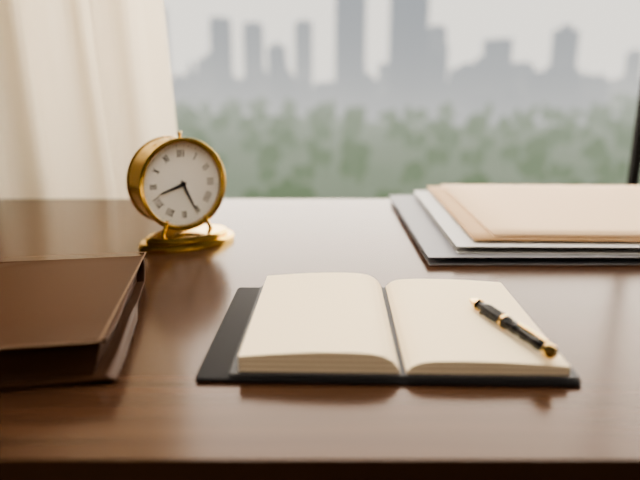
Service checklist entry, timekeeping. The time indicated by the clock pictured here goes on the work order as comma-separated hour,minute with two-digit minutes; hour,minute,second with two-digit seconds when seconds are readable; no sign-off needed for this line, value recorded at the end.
8,26
